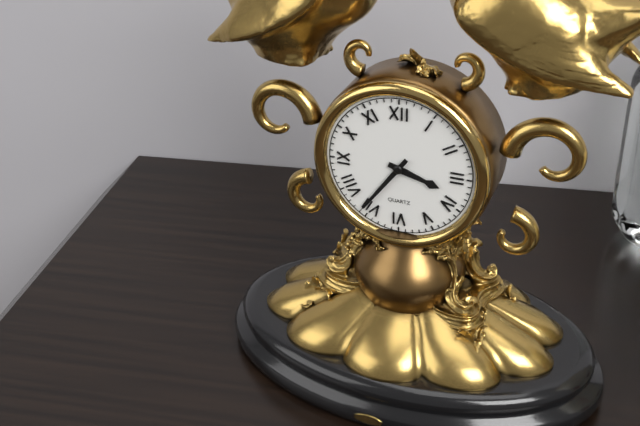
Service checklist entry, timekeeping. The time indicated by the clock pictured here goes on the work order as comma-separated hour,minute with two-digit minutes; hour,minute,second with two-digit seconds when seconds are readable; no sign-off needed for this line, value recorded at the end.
3,36
